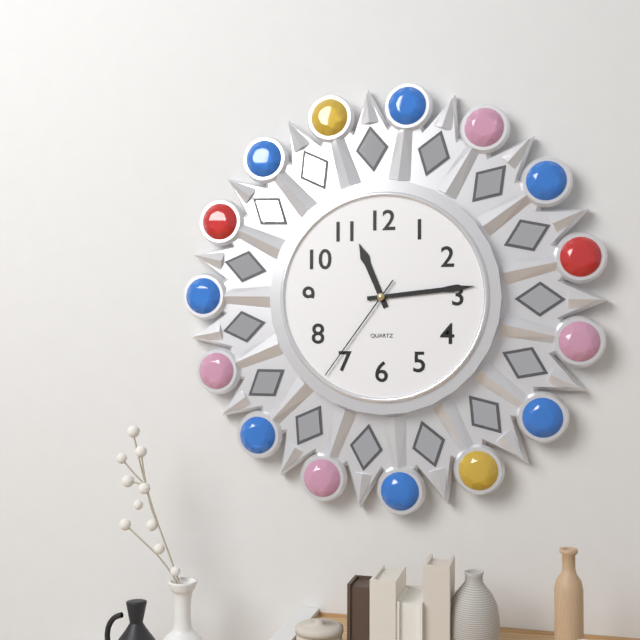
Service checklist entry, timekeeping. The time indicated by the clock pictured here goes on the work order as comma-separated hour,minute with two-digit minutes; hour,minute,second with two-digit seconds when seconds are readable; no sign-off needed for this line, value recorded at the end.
11,14,36
